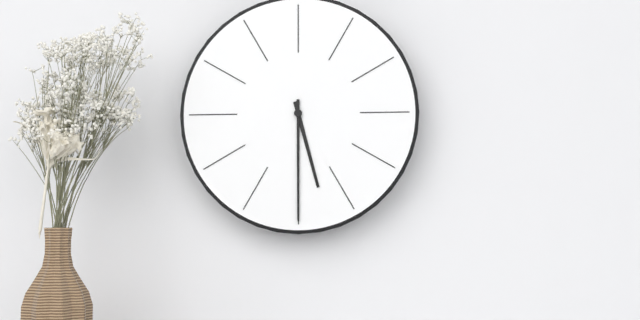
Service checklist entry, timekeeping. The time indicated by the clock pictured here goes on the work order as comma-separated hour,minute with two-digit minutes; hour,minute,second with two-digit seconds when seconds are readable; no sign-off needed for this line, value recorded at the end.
5,30
